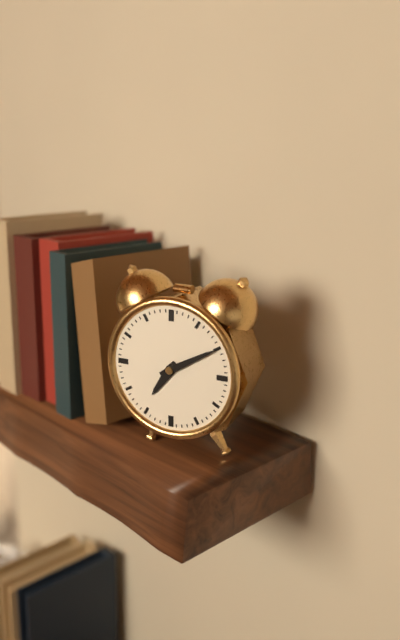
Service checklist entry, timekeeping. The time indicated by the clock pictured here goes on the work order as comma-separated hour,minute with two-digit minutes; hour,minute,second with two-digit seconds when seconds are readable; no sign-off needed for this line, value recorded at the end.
7,10
